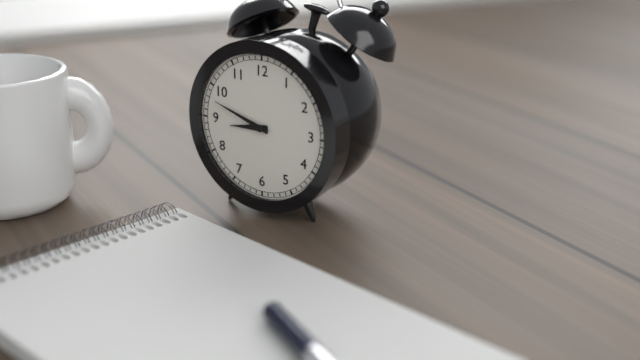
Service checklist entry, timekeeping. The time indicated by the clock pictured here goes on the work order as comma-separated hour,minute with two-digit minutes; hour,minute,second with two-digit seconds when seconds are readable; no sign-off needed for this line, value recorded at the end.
8,48
